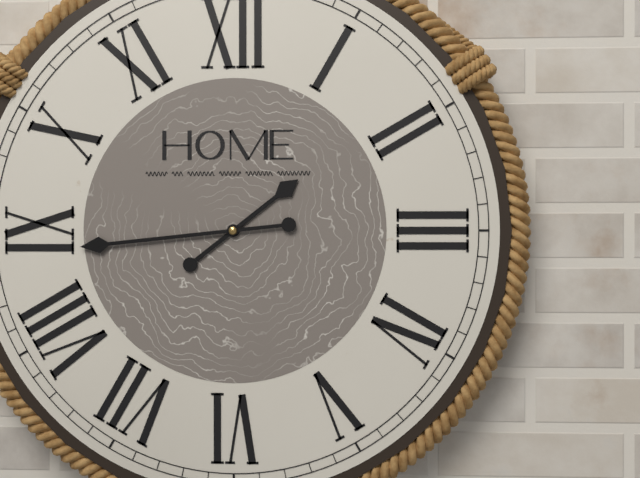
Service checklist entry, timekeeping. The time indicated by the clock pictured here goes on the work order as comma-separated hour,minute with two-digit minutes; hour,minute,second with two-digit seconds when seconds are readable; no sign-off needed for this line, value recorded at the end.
1,44
